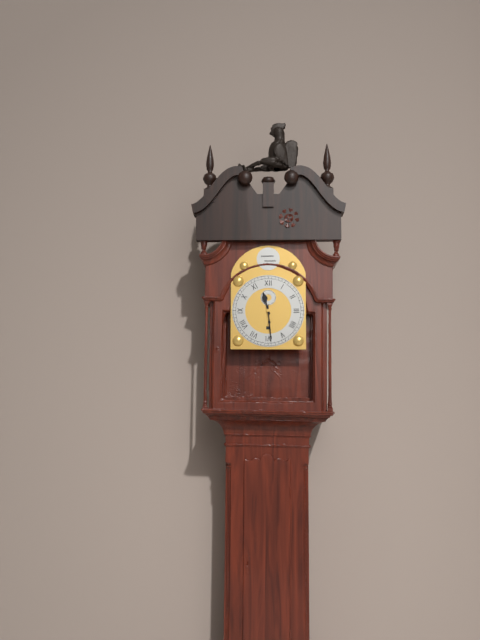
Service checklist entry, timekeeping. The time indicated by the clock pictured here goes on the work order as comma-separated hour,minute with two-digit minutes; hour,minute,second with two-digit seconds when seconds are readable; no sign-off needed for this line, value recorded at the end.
11,29
